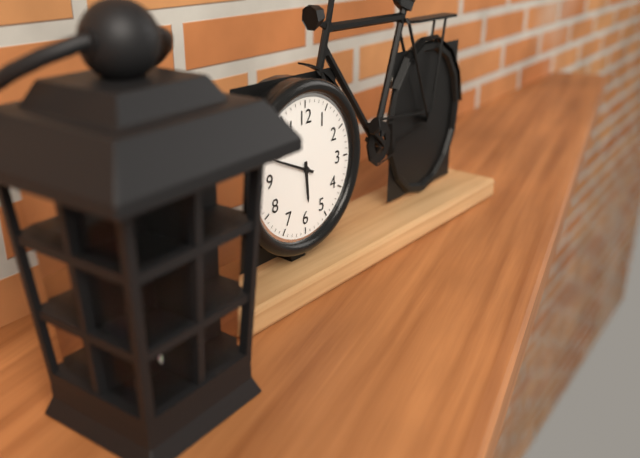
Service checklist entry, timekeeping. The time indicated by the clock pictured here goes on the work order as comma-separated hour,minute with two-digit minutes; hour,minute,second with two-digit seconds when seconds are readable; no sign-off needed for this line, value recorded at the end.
5,49
